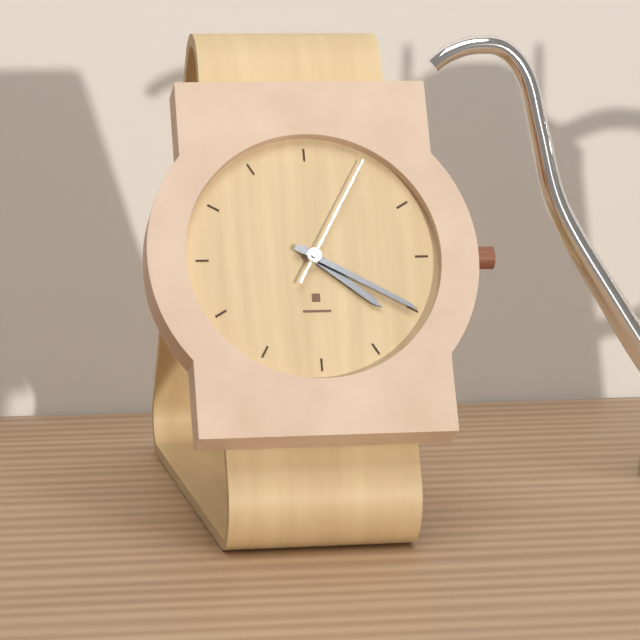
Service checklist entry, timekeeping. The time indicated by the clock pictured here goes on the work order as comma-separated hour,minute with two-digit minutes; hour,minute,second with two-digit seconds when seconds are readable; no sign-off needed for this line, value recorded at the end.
4,20,05
